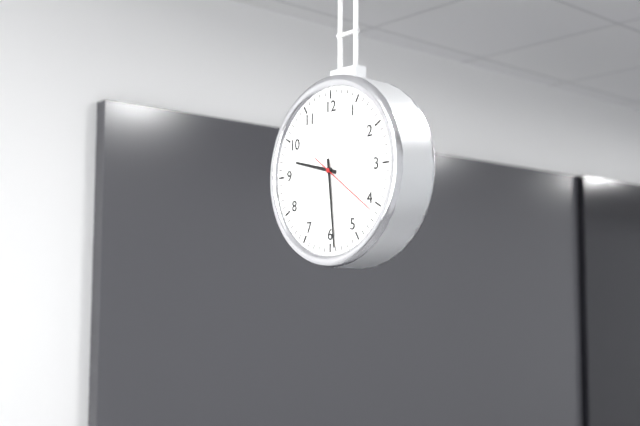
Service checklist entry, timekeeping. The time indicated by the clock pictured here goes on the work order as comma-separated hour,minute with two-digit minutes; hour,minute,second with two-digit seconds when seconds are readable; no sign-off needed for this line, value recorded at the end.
9,29,21
